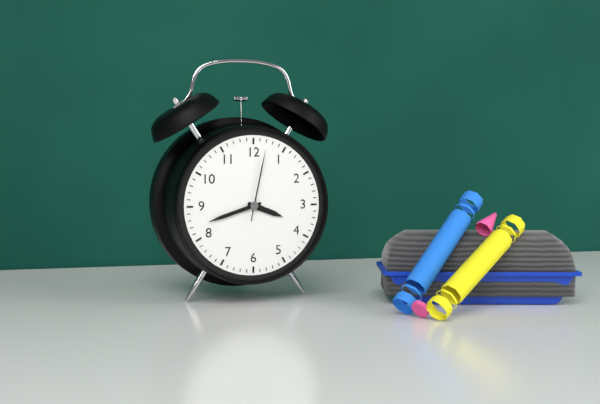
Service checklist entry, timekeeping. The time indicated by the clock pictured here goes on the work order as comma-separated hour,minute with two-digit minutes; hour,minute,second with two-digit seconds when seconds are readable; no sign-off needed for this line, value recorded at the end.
3,42,02
